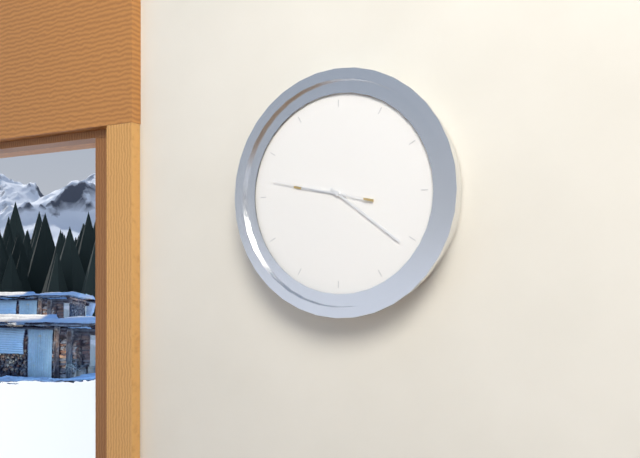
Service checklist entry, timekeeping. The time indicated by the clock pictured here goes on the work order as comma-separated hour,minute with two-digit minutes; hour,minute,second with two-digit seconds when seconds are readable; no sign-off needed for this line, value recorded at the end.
9,21,47
